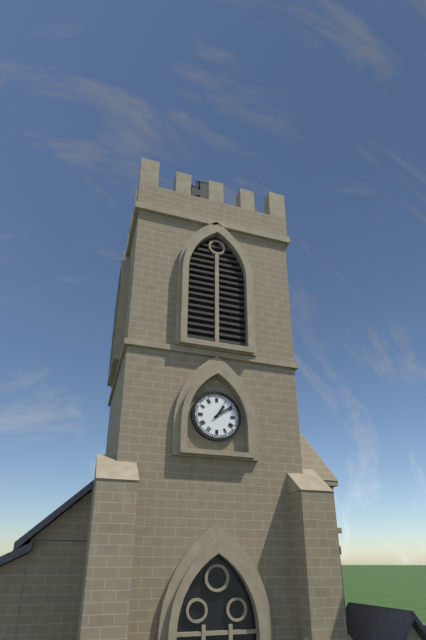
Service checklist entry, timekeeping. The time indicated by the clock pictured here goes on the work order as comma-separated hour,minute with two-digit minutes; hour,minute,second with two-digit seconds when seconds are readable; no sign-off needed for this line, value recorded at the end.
1,09
